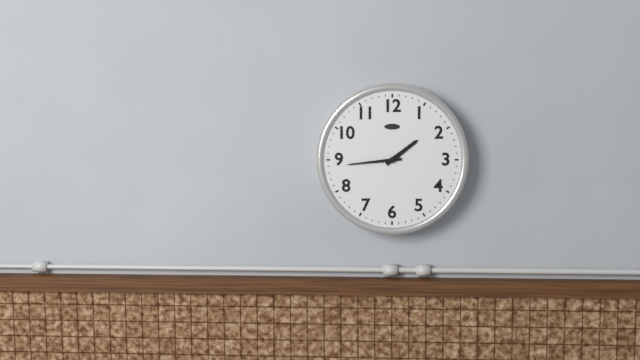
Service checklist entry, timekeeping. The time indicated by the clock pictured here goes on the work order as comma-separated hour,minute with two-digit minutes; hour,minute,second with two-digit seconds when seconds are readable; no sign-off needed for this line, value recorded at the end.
1,44
